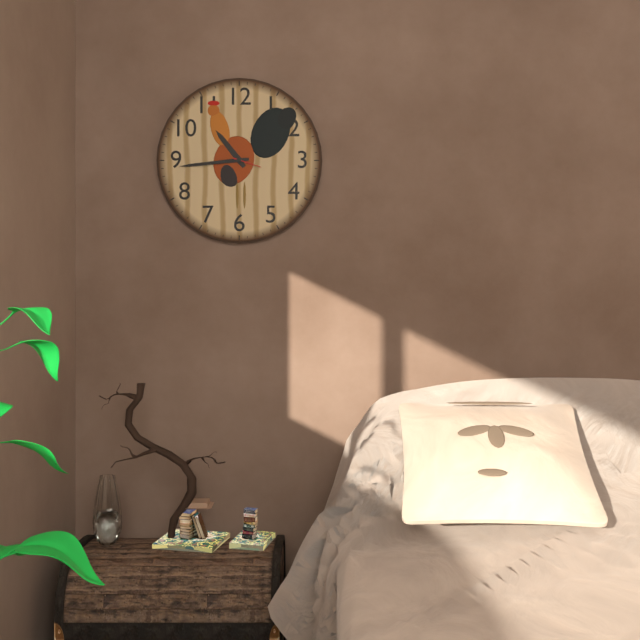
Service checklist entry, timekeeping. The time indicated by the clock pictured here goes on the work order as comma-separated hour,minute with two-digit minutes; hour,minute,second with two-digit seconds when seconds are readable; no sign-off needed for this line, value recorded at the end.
10,44
